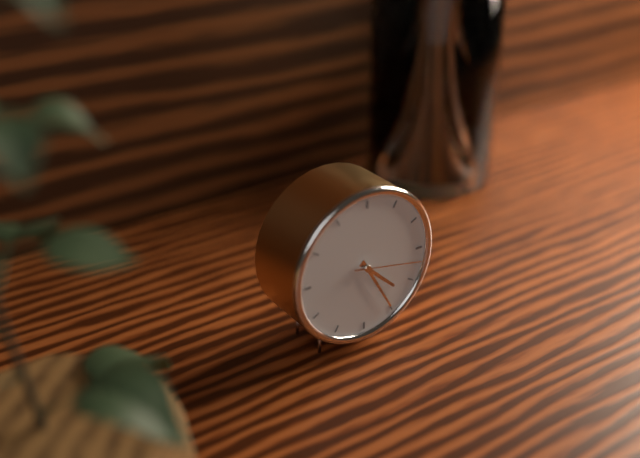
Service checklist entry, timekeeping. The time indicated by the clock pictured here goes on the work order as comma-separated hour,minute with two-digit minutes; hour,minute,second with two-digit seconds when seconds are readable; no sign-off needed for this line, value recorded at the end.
4,25,17
